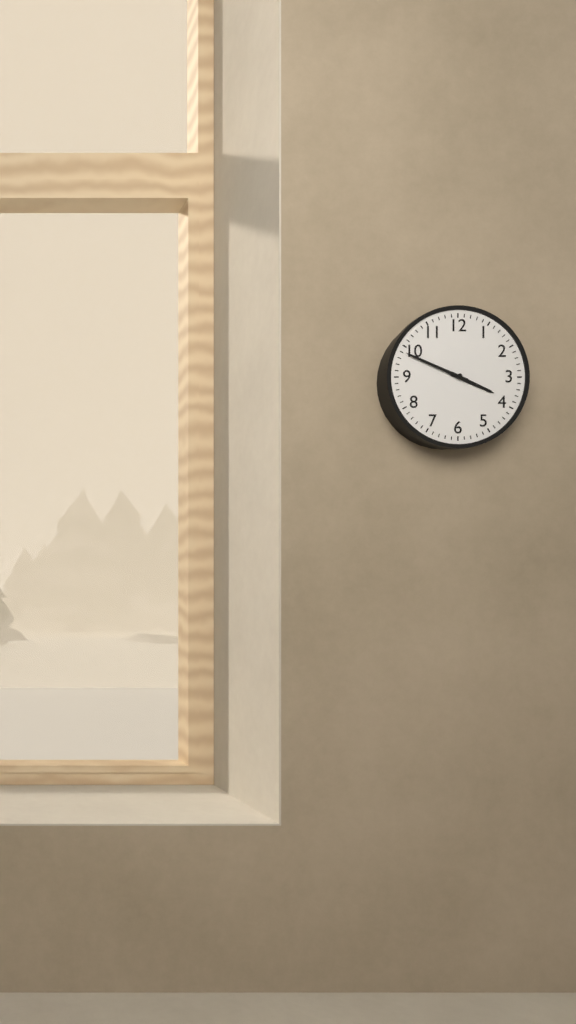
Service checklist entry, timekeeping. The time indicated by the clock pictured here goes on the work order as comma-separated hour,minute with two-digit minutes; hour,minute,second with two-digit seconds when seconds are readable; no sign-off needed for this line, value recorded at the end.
3,49
